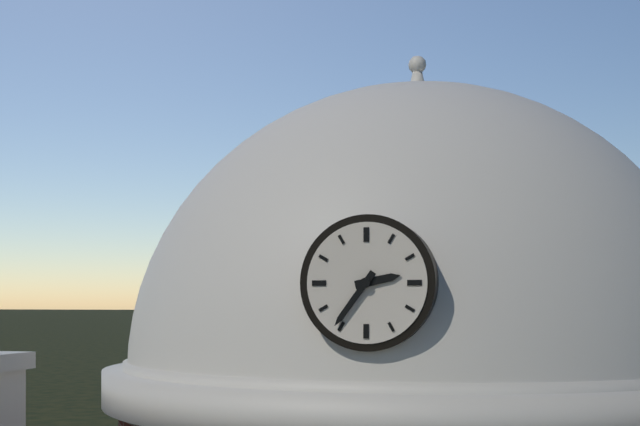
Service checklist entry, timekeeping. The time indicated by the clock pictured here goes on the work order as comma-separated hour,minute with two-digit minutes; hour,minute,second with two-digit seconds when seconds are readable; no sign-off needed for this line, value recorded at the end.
2,36
